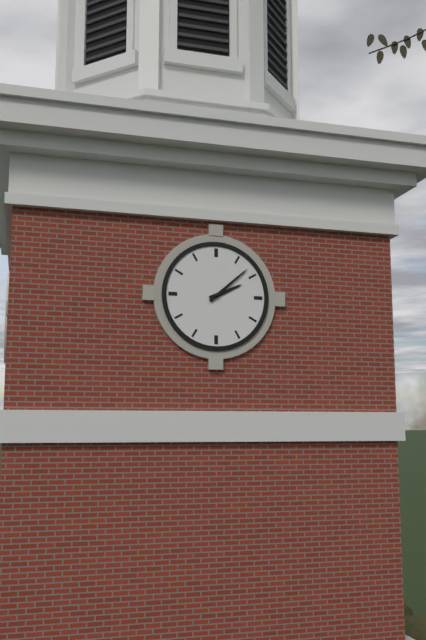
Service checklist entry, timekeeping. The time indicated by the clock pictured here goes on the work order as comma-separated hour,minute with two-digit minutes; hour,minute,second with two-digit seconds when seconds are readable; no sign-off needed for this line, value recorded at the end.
2,08
